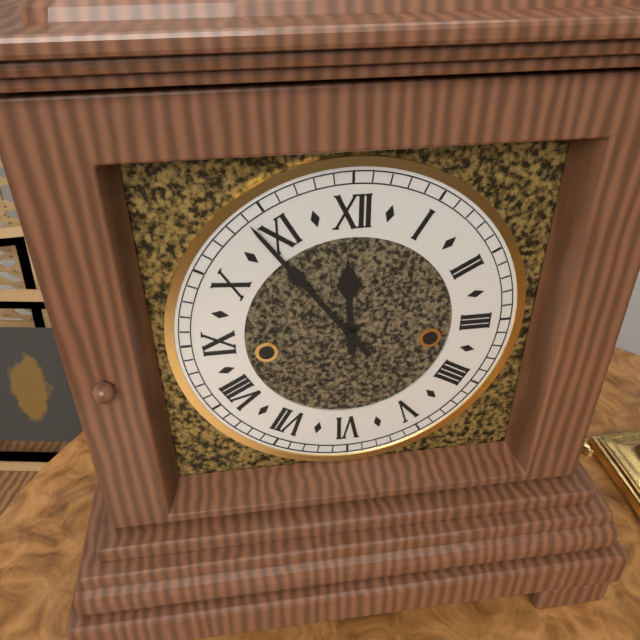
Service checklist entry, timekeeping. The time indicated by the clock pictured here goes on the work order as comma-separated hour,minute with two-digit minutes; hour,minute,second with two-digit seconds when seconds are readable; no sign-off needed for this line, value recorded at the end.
11,54
